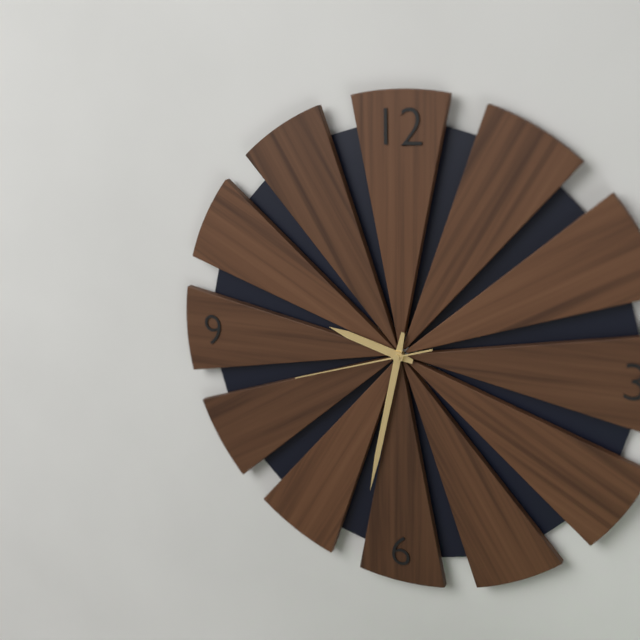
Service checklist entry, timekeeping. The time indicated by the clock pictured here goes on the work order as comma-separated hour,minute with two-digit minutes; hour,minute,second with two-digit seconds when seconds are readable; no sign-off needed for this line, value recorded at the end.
9,32,42
